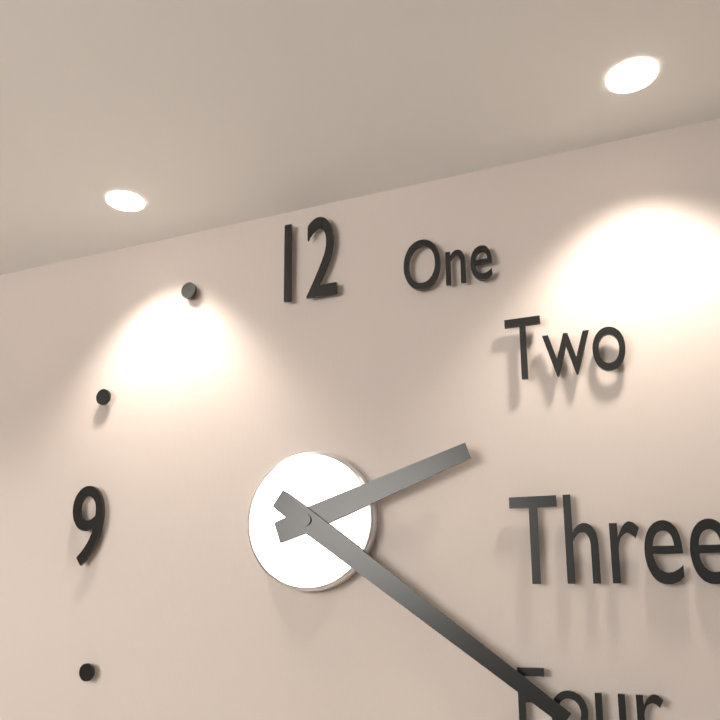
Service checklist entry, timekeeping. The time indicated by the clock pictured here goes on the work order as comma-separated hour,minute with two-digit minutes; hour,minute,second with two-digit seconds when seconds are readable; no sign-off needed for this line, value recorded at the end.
2,21
